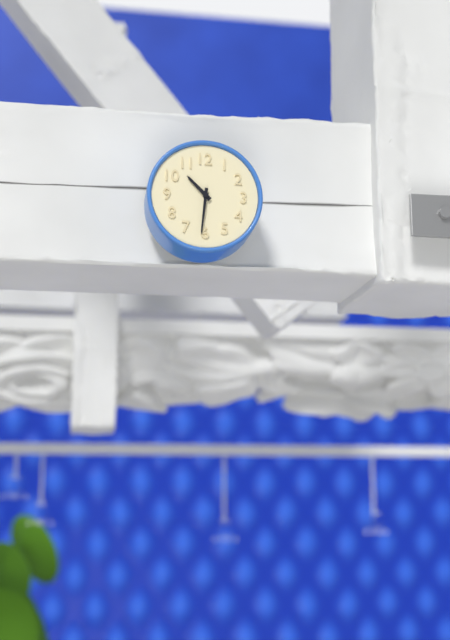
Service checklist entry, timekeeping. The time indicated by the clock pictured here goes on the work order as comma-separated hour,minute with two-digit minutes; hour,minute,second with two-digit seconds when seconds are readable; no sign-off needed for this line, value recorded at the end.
10,31
